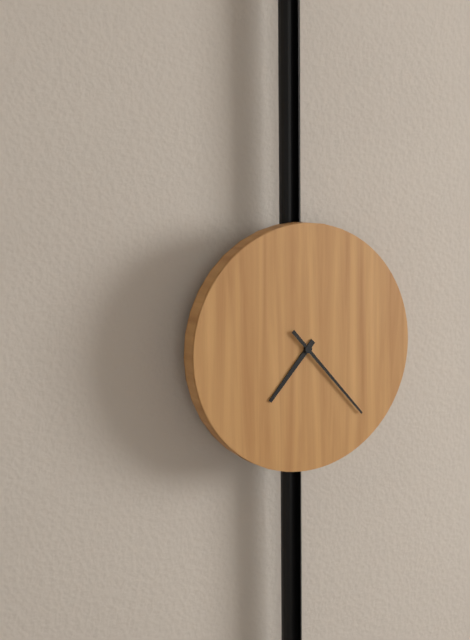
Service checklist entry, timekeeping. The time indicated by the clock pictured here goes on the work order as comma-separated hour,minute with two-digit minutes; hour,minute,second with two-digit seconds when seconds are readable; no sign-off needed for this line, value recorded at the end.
7,23
